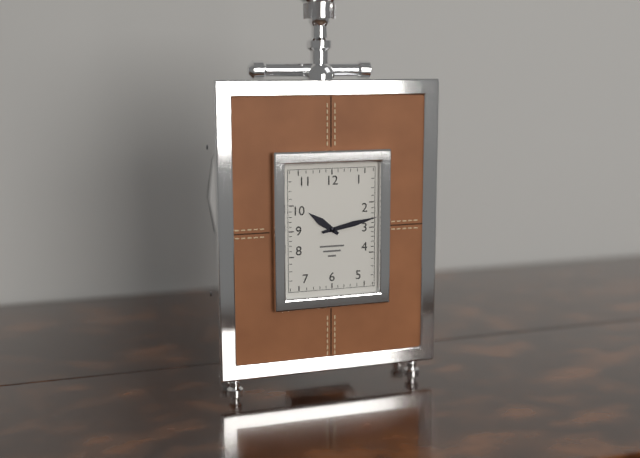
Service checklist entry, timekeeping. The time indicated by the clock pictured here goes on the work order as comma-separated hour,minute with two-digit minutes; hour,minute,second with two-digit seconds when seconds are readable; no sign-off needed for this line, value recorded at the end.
10,13
